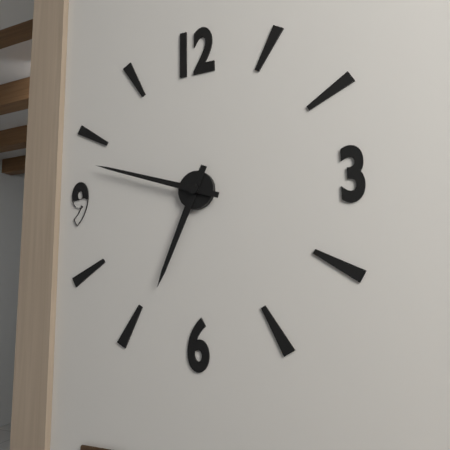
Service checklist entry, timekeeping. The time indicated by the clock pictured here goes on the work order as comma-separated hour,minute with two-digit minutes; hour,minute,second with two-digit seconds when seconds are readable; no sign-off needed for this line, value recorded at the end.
6,48
